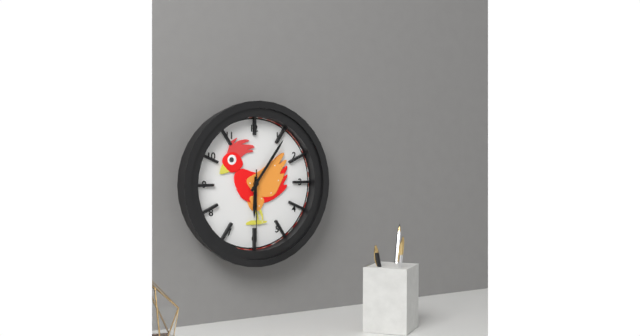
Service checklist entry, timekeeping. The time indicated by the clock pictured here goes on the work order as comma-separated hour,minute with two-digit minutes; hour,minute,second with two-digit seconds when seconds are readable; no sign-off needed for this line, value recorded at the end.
6,06,30
